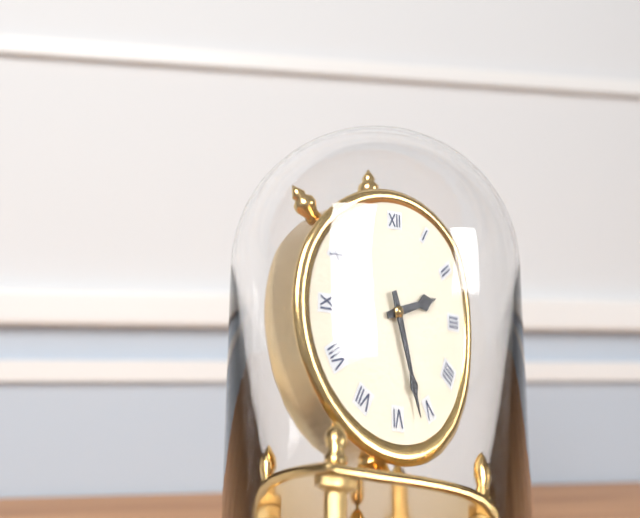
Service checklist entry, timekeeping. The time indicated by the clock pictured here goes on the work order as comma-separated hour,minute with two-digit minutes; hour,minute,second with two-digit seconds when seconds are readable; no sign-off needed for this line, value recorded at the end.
2,27
